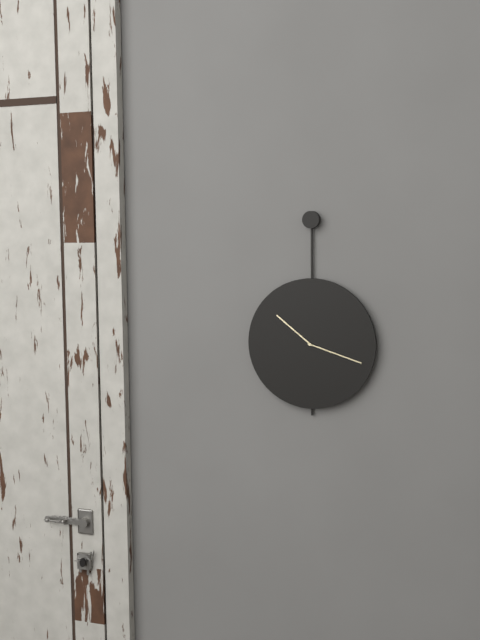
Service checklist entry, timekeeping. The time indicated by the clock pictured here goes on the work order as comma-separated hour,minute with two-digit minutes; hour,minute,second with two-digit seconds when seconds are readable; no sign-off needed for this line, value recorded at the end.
10,18
